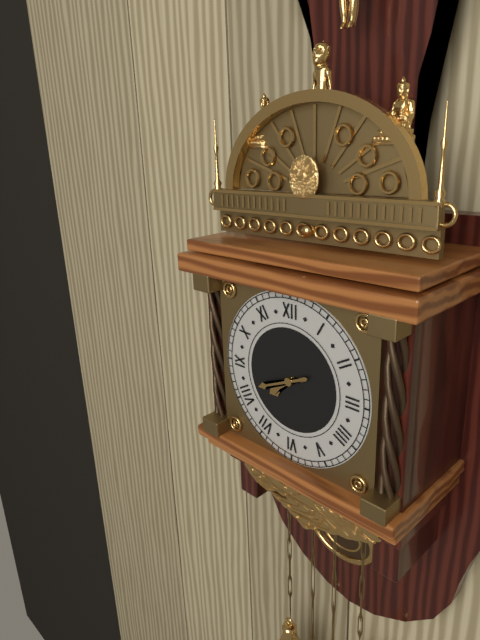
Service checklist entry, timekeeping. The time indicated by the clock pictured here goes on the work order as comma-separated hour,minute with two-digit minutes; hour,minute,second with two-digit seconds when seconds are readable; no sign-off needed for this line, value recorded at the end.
7,41
